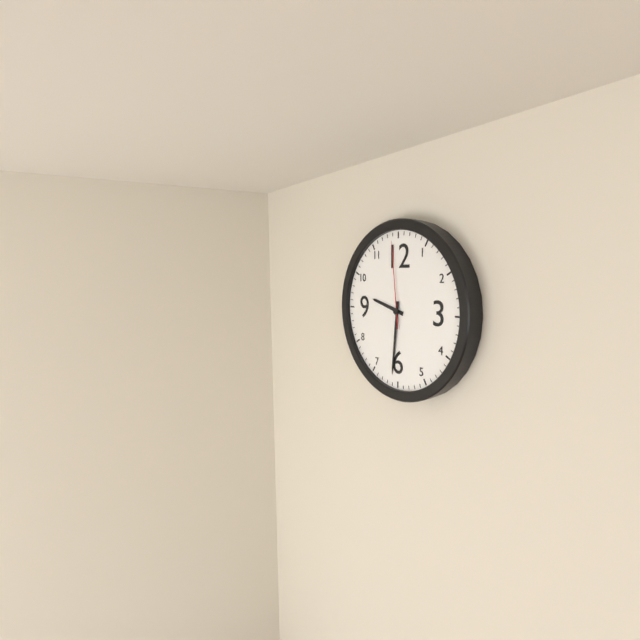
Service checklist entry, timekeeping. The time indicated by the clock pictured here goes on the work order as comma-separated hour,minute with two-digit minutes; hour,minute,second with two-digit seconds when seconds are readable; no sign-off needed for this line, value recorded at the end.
9,31,59
